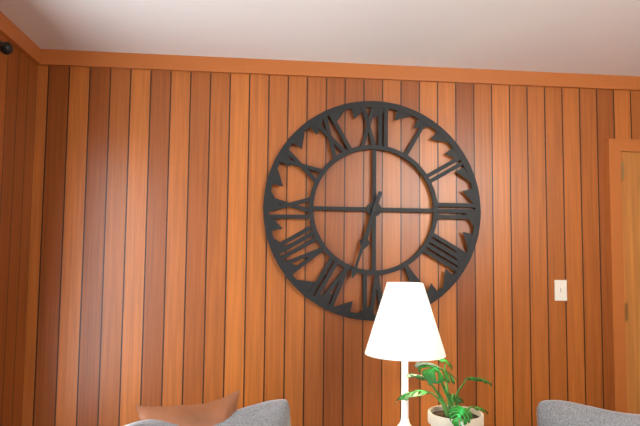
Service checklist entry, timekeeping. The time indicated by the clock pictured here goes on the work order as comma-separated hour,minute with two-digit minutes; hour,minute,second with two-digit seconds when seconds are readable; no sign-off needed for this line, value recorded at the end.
6,33
